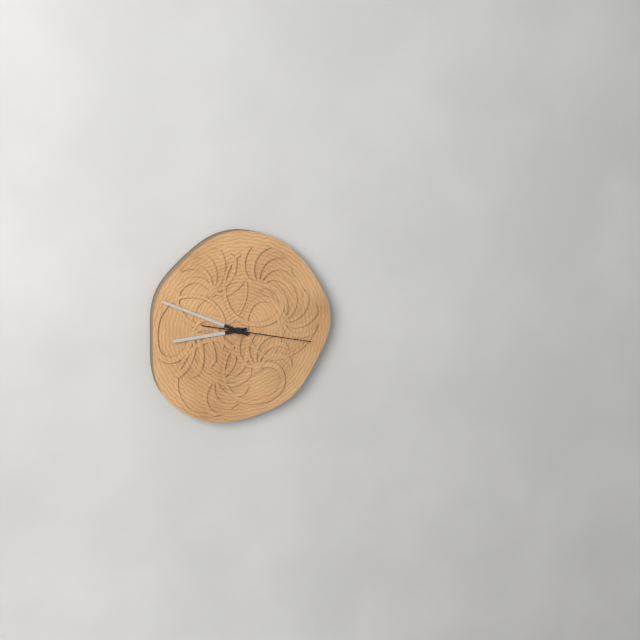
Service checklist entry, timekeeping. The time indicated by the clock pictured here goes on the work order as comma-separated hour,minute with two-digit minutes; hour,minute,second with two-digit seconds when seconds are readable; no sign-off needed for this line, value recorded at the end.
8,49,17
